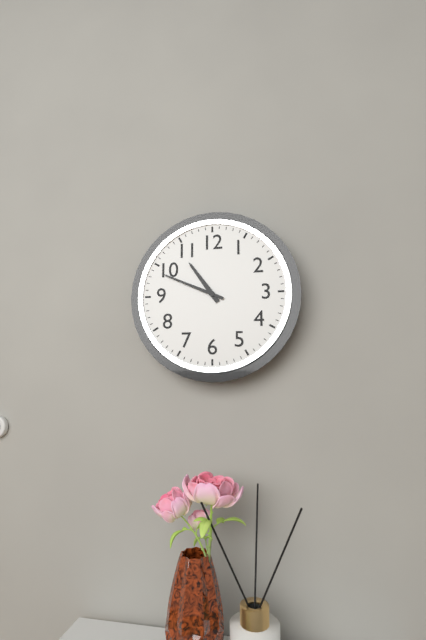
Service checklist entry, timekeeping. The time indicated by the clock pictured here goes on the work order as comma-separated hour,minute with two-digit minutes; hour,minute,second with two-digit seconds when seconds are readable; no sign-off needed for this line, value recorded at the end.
10,49
